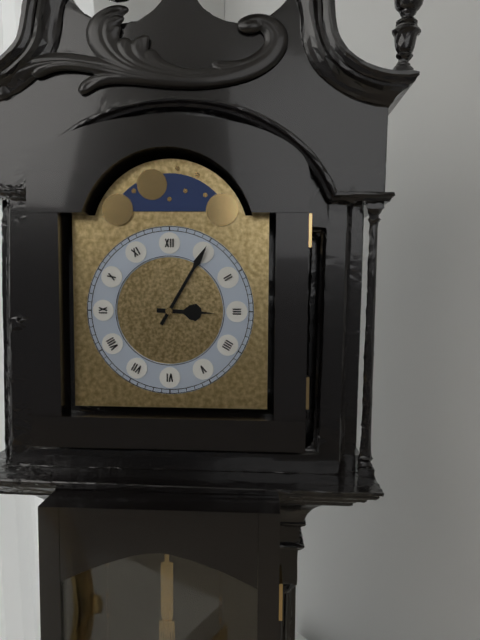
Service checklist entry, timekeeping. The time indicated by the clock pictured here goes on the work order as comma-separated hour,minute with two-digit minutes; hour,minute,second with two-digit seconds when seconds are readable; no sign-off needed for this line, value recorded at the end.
3,05
